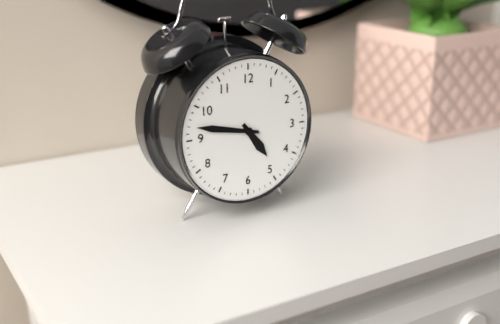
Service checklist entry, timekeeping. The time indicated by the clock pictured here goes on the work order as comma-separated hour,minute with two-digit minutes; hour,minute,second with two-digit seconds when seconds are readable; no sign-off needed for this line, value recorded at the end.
4,47
